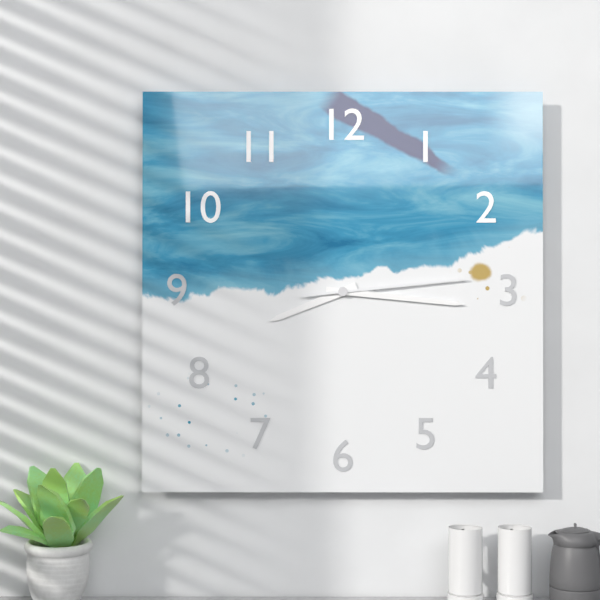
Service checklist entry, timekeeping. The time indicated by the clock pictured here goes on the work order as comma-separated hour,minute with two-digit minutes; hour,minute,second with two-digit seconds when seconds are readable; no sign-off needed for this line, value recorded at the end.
8,16,14
